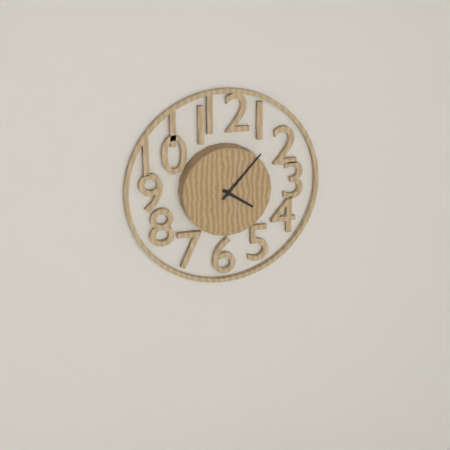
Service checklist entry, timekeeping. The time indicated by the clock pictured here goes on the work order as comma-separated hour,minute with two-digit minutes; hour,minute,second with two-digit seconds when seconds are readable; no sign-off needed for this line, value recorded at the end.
4,07
